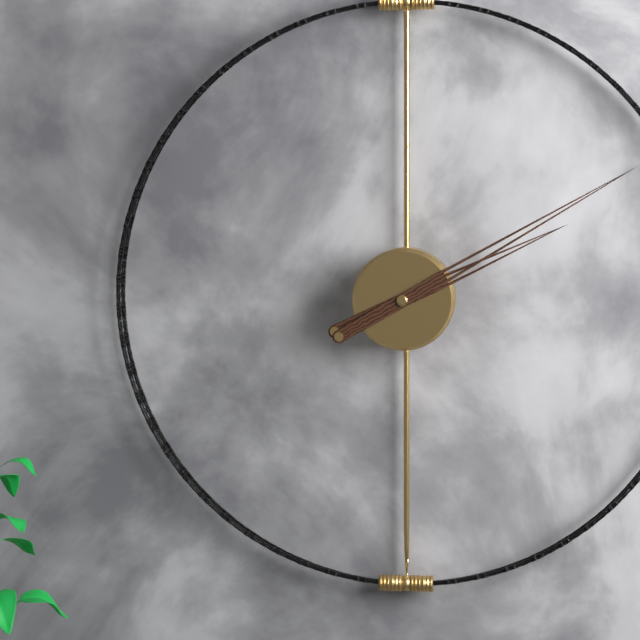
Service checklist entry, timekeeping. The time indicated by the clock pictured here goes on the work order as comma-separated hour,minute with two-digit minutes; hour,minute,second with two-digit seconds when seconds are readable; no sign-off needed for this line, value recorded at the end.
2,10
